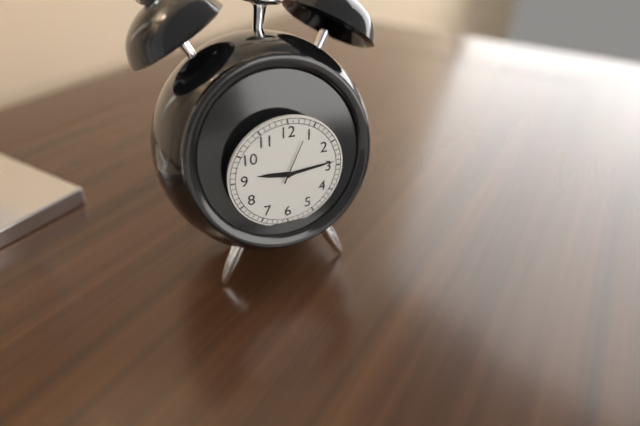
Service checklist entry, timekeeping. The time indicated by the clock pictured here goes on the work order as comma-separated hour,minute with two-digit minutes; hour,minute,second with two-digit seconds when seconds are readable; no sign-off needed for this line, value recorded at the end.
9,14
